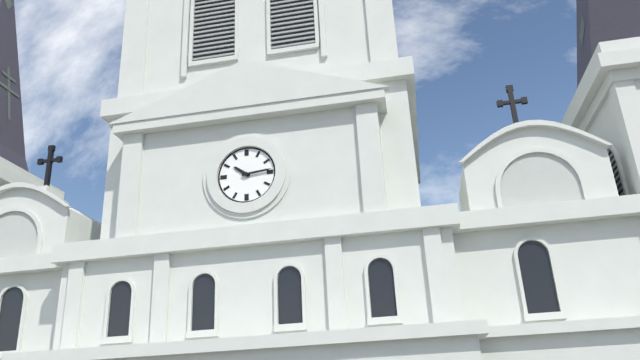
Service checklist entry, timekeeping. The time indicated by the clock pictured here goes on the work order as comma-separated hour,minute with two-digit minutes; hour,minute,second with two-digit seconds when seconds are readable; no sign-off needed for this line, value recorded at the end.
10,14
